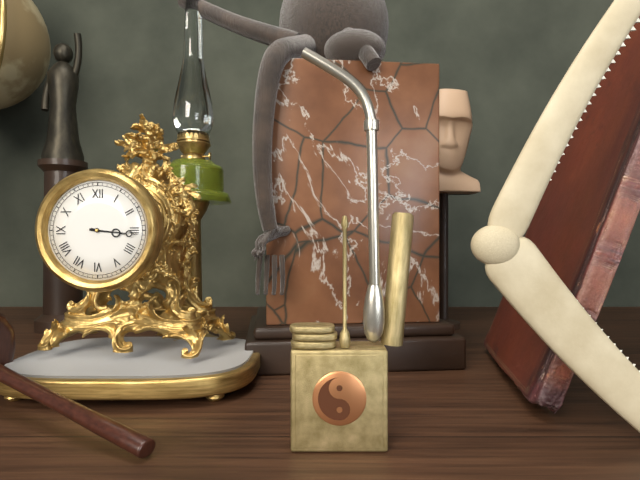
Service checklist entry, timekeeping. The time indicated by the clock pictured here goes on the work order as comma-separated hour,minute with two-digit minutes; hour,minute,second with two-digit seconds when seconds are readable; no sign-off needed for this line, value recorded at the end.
3,16
